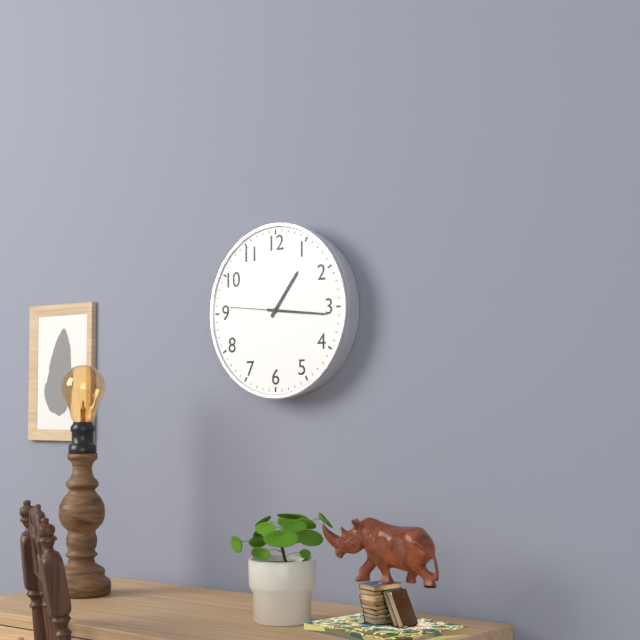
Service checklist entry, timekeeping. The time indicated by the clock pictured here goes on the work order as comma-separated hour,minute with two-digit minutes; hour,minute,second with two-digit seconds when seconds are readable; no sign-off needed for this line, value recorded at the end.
1,16,46
